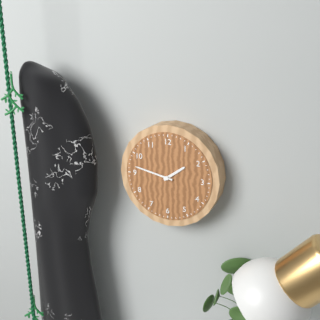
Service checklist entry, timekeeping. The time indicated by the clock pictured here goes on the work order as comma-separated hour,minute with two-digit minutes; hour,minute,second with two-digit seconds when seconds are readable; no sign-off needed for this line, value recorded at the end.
1,47
